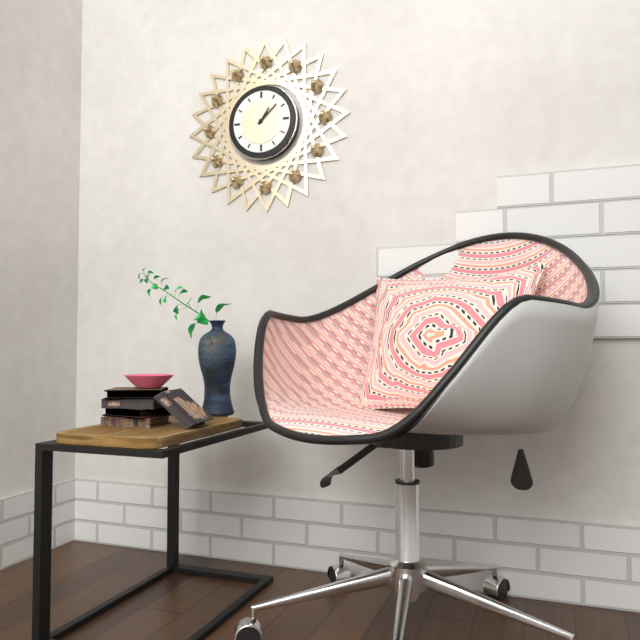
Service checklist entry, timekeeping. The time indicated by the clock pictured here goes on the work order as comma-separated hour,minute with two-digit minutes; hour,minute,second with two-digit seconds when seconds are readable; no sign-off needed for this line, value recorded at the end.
1,08
